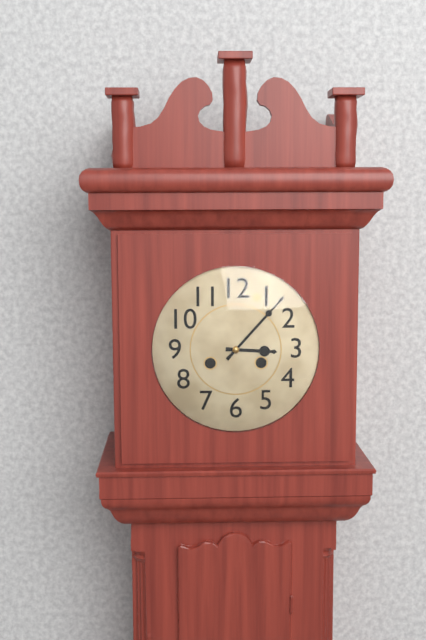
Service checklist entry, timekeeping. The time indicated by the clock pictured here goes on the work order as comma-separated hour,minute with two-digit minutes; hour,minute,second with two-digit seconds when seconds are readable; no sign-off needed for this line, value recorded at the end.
3,07
